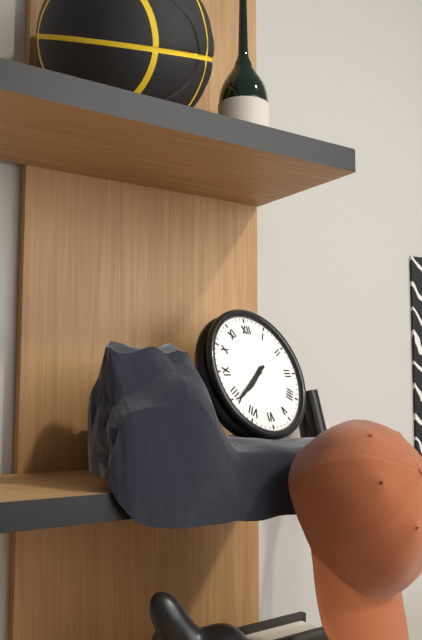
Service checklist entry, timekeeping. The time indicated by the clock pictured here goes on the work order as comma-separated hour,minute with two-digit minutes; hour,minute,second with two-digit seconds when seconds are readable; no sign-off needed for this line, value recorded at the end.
7,39
